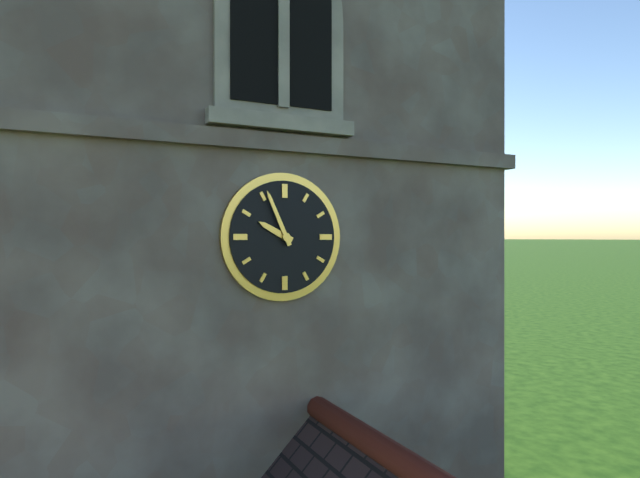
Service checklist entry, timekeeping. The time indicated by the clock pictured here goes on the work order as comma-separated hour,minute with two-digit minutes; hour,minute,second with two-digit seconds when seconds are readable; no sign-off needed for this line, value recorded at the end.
9,56
